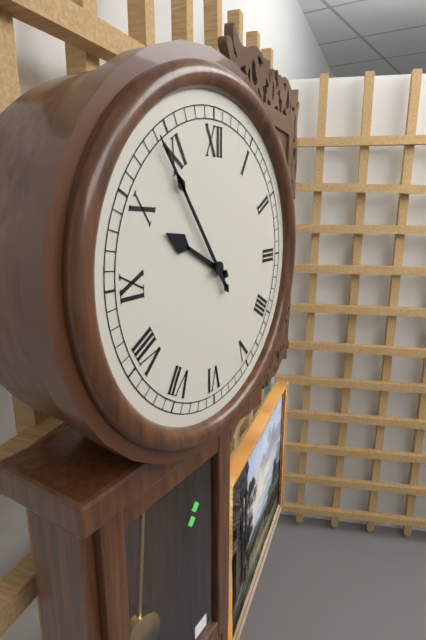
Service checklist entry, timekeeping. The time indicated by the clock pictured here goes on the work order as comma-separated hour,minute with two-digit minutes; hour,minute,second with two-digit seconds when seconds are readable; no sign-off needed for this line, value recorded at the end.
9,54
